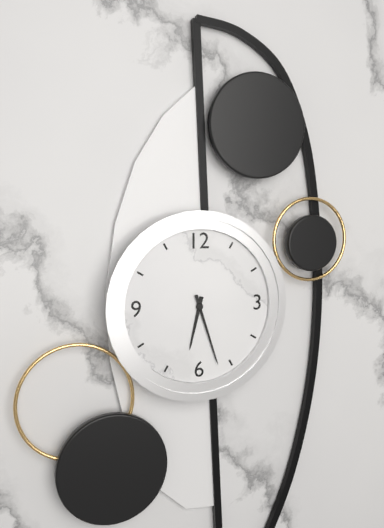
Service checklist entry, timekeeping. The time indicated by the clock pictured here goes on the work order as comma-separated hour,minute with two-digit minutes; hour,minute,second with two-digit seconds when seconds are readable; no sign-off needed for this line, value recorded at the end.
6,27
